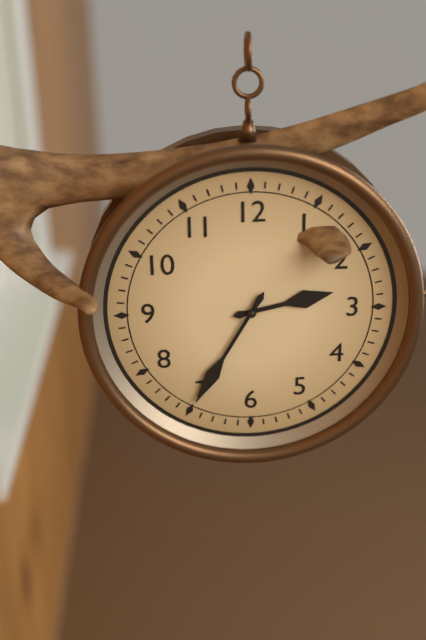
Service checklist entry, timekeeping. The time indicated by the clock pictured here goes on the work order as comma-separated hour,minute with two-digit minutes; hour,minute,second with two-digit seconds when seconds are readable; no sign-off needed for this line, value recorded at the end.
2,35
